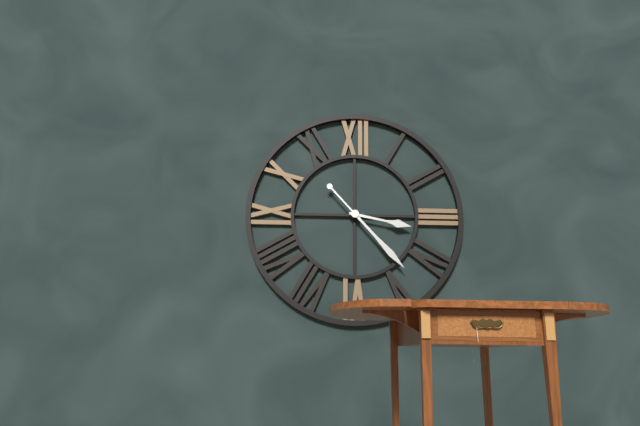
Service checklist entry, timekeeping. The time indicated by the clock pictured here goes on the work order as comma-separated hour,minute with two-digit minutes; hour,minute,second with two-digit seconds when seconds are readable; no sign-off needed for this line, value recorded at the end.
3,23
